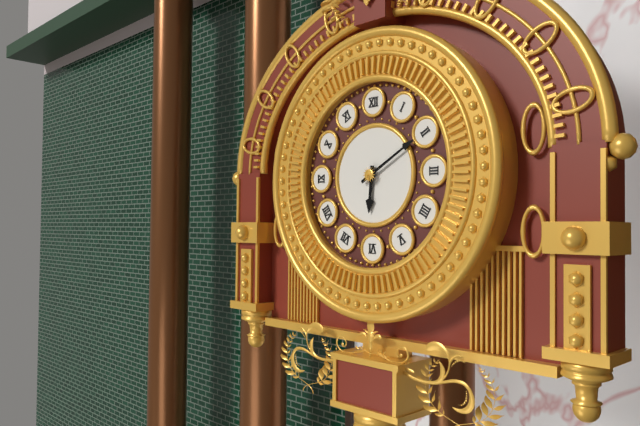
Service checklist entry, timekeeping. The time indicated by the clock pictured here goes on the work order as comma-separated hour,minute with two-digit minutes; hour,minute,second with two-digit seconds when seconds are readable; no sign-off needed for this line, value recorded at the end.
6,10
